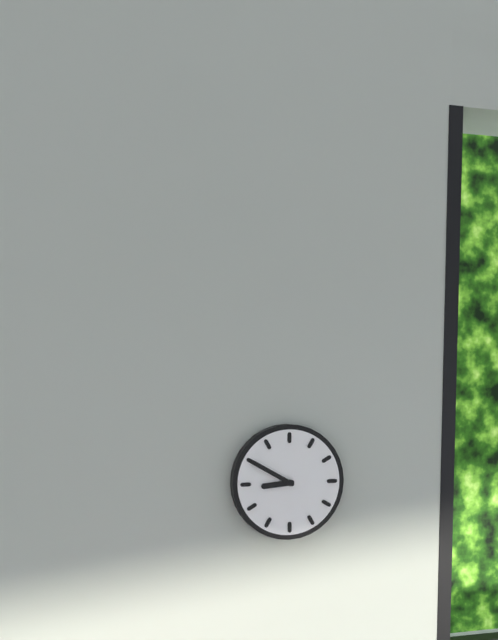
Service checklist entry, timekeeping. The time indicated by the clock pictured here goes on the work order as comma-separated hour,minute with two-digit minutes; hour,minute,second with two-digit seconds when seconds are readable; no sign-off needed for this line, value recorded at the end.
8,50
